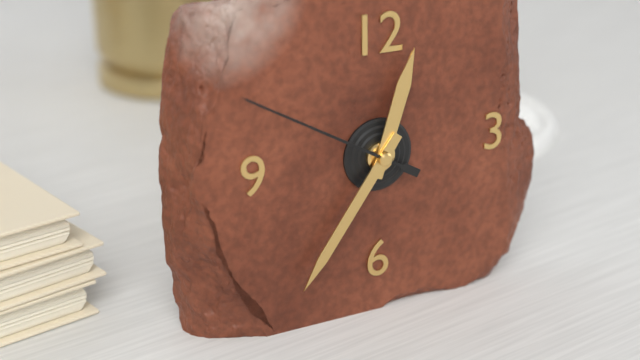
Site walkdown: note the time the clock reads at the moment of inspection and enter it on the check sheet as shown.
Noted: 12:36:50
